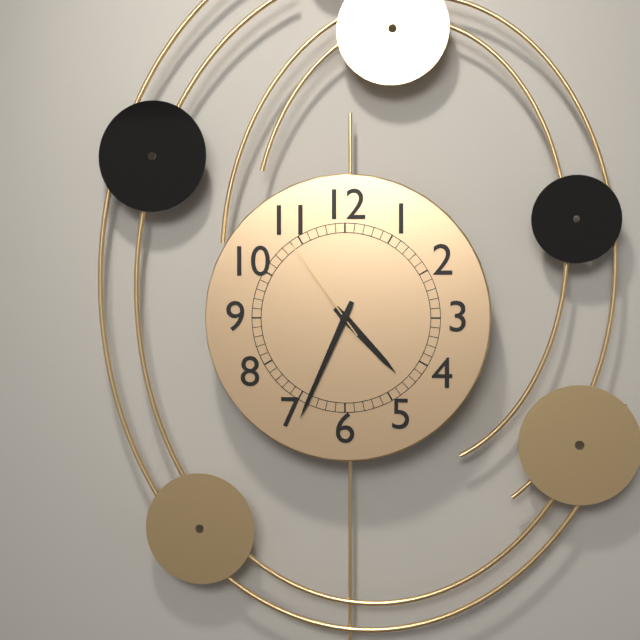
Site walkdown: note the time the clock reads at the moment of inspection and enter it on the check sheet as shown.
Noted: 4:34:54
